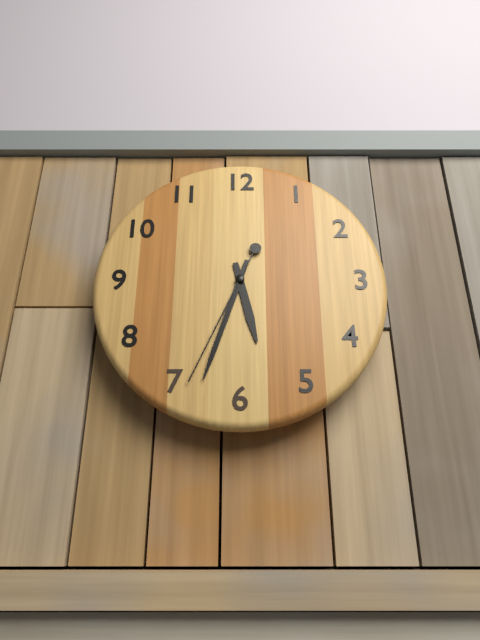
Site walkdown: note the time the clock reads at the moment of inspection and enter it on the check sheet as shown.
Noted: 5:33:34
